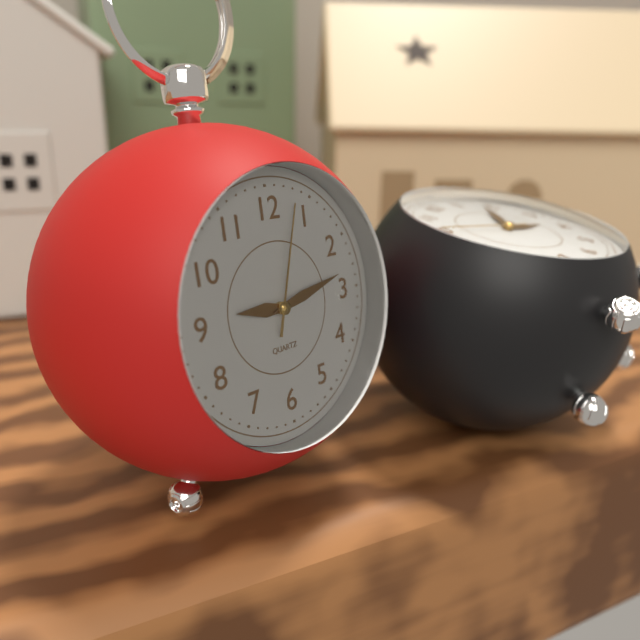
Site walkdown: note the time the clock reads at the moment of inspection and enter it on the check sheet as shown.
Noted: 9:13:03
